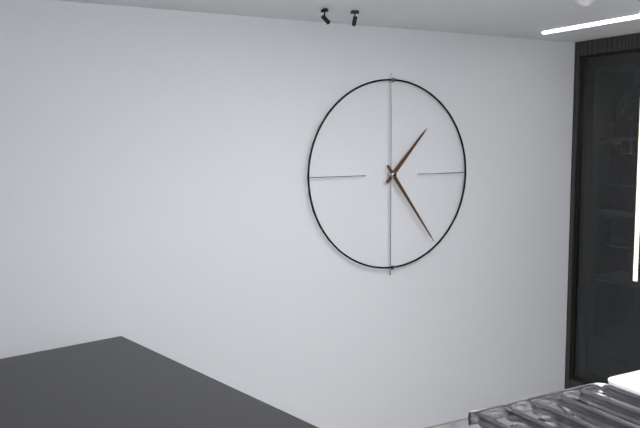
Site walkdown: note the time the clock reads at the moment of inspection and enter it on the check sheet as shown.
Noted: 1:24
